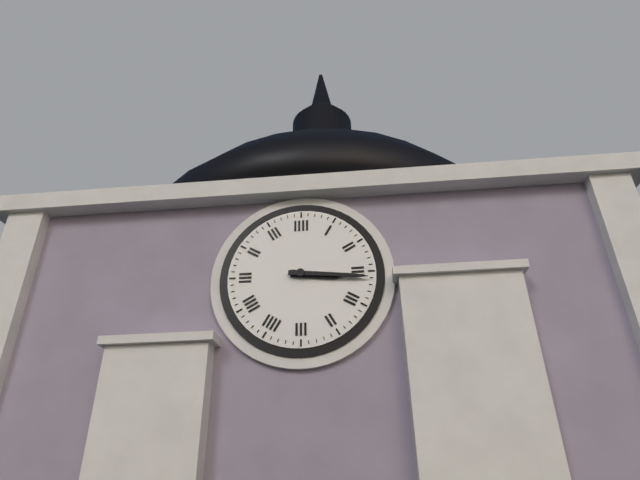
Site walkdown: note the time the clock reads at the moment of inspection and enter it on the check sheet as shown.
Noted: 3:16
